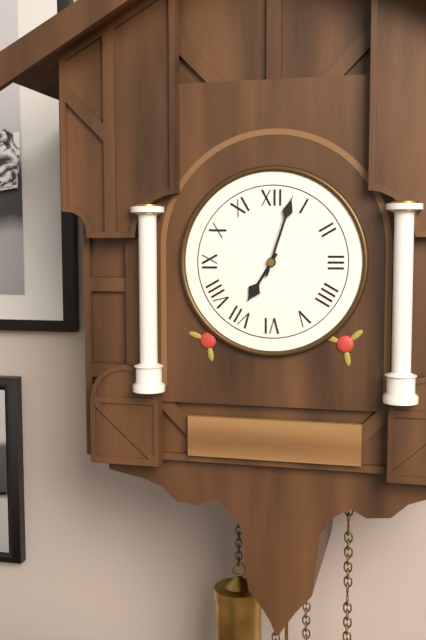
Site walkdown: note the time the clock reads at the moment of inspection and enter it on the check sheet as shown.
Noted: 7:03
